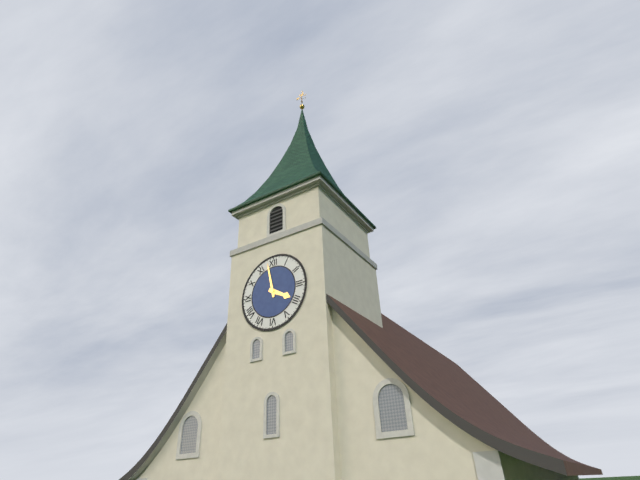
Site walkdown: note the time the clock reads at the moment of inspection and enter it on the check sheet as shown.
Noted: 3:58
